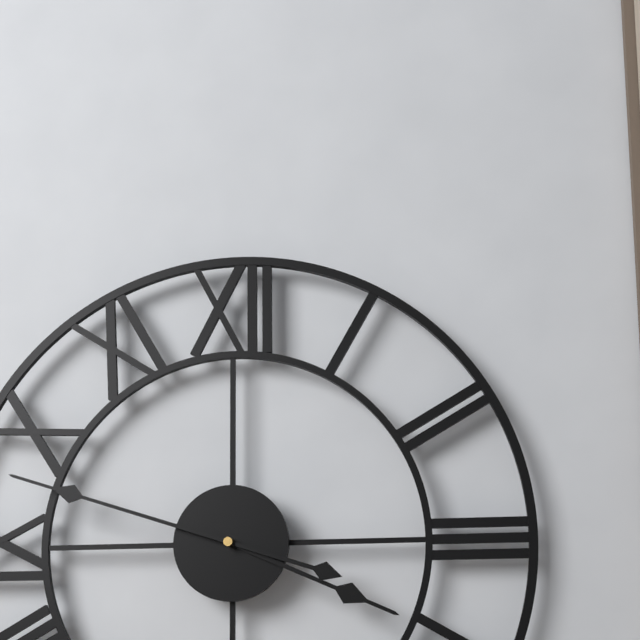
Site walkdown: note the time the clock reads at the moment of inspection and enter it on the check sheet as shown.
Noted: 3:48
